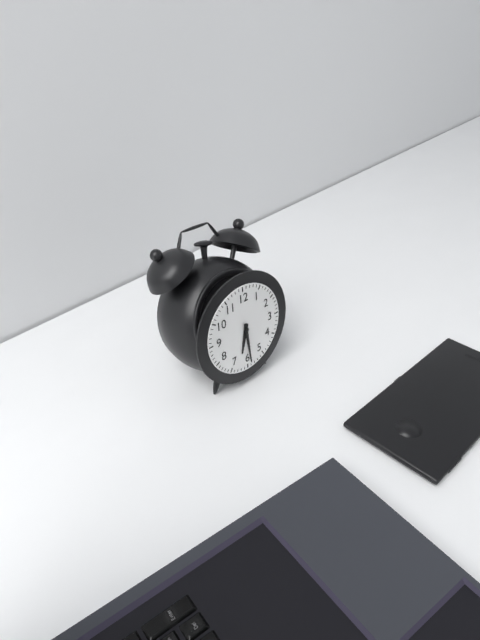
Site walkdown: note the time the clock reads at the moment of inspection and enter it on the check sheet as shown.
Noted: 6:29
